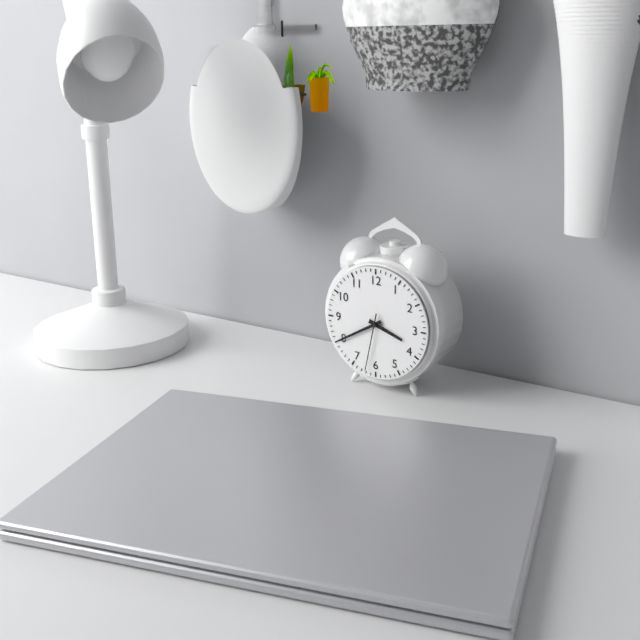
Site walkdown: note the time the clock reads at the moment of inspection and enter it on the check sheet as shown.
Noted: 3:40:32
